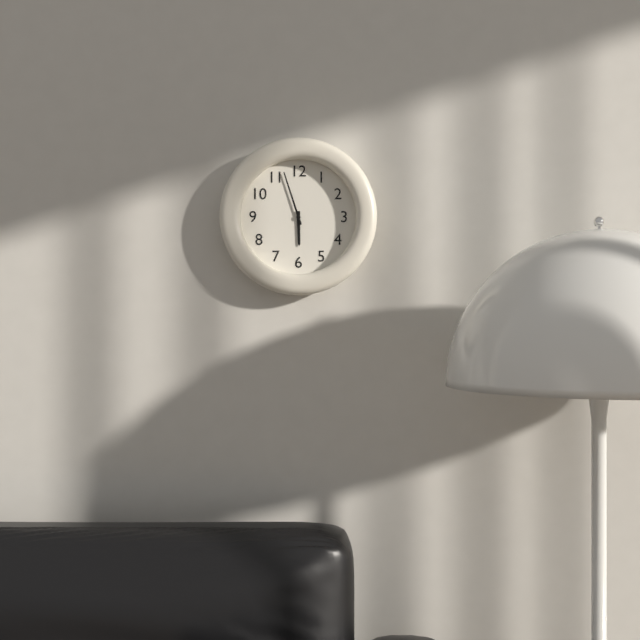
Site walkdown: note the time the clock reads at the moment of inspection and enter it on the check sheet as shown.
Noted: 5:57
